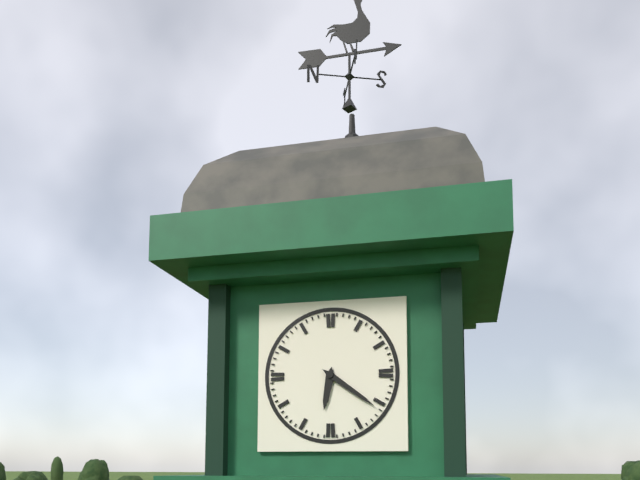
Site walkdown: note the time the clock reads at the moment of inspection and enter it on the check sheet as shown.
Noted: 6:21
